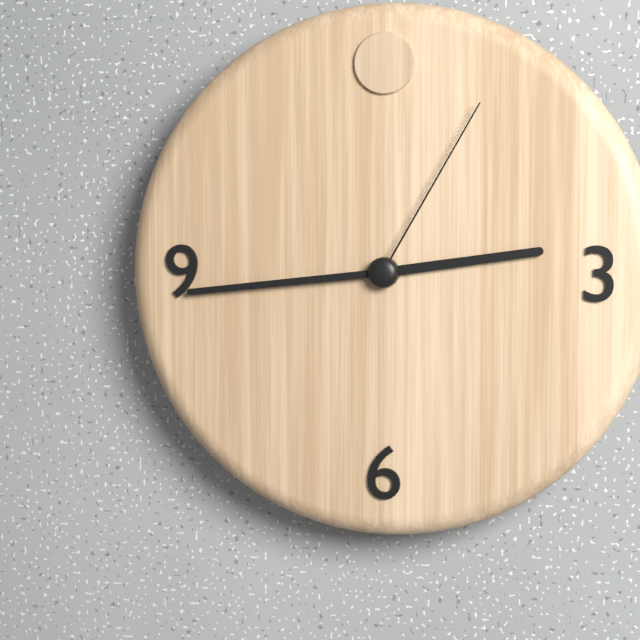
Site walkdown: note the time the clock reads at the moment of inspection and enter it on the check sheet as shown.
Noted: 2:44:05
